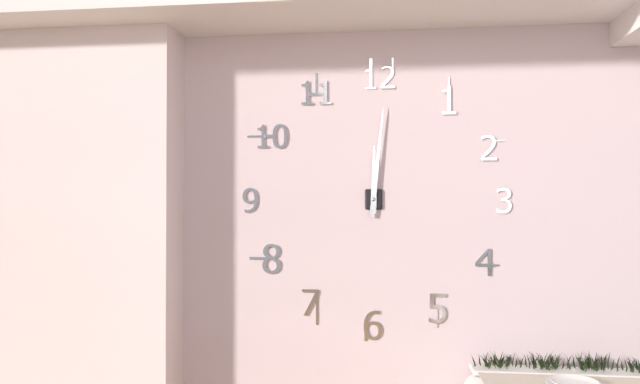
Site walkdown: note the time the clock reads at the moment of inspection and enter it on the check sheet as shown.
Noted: 12:01
